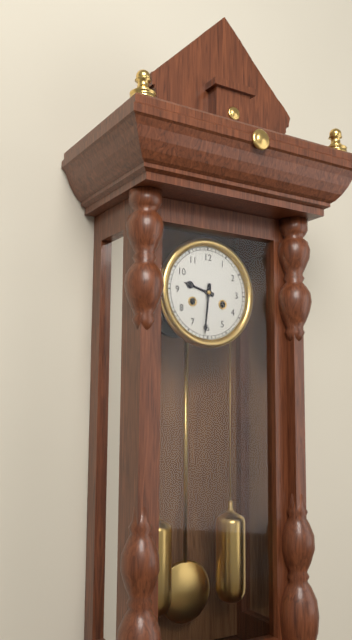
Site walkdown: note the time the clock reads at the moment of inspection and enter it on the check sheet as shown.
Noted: 9:31
